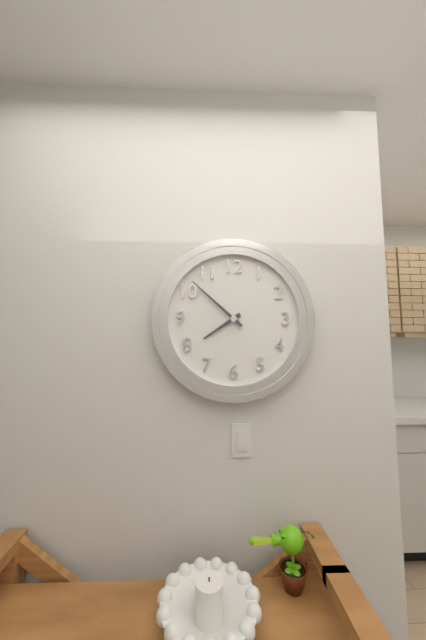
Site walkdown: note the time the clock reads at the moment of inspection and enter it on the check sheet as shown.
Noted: 7:52
